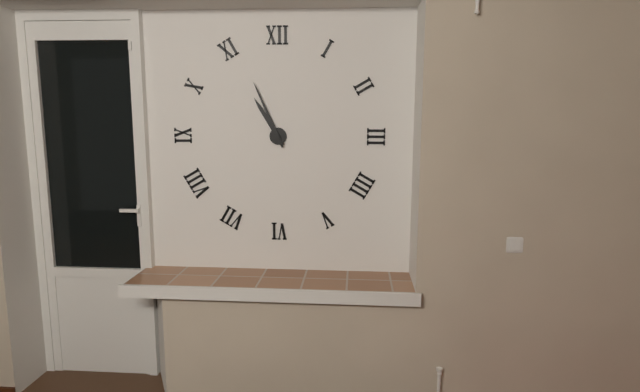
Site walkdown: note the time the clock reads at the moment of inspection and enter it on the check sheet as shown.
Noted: 10:56
